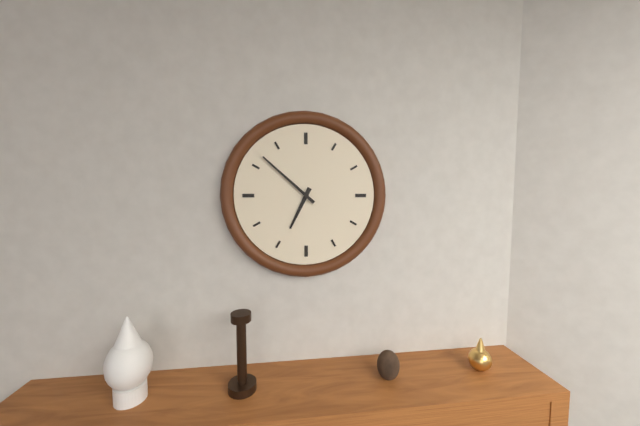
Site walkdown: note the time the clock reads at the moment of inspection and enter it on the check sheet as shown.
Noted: 6:52
